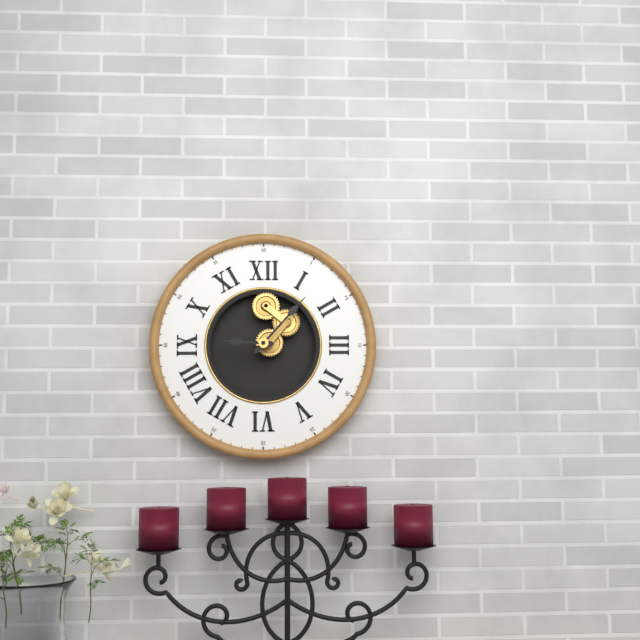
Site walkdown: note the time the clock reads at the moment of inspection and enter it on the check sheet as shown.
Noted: 9:07
